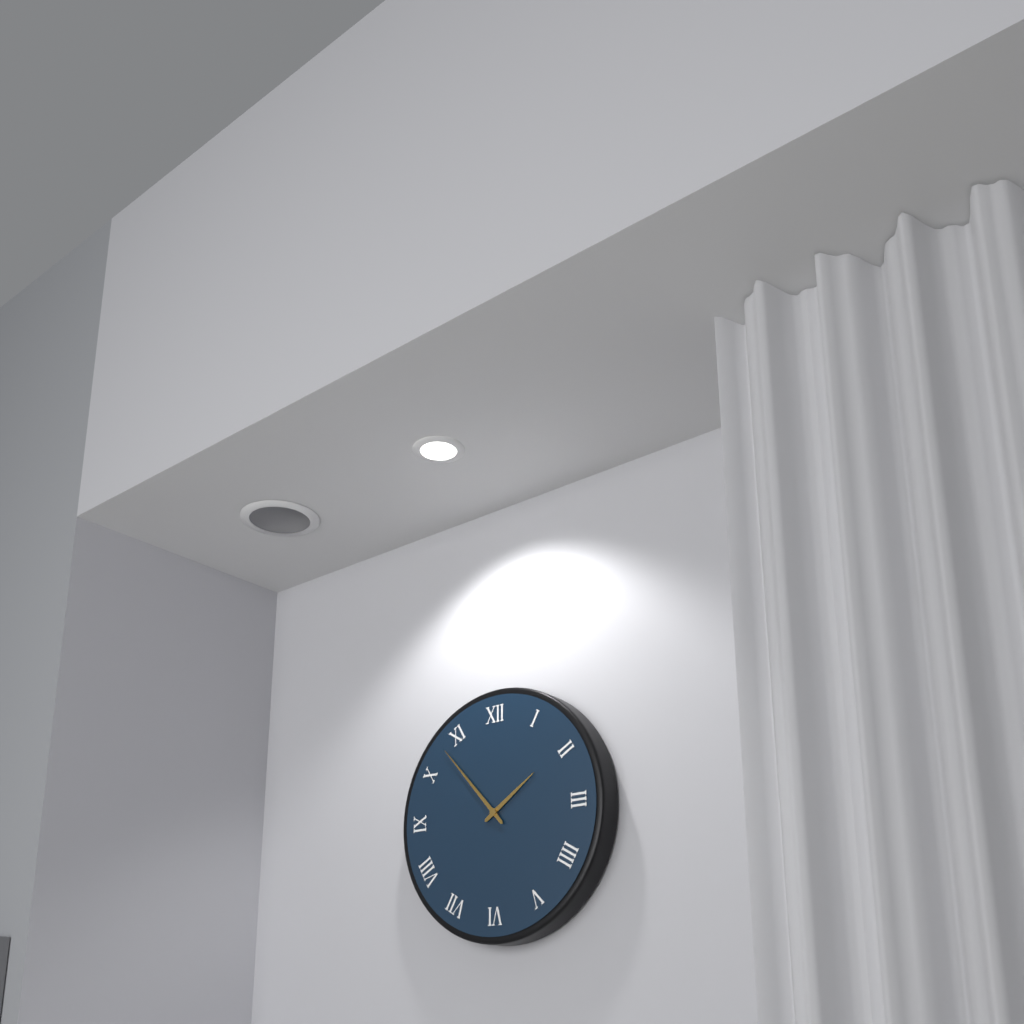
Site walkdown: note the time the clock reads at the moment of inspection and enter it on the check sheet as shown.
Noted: 1:53
